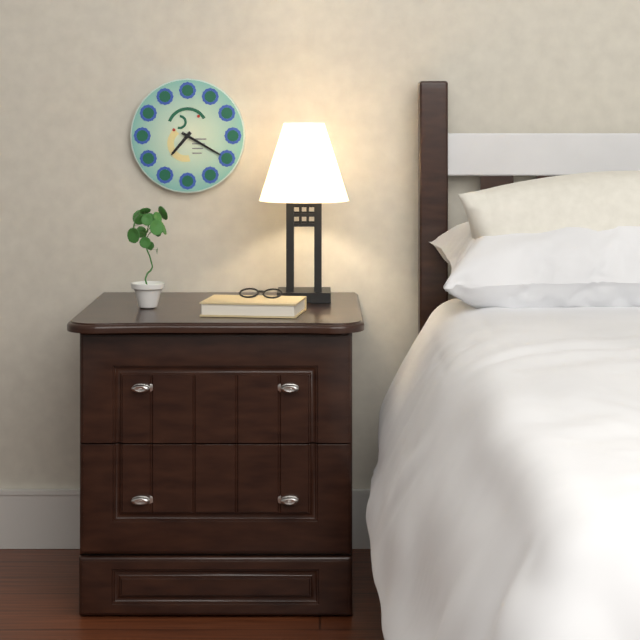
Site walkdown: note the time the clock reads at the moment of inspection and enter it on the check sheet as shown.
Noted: 7:20
